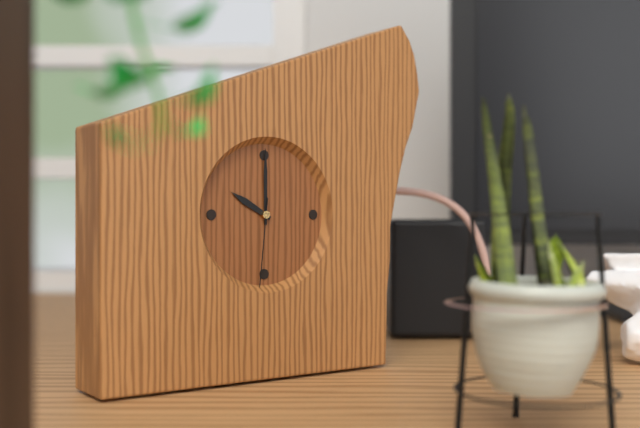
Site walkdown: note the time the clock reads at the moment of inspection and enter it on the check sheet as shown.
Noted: 10:00:31
